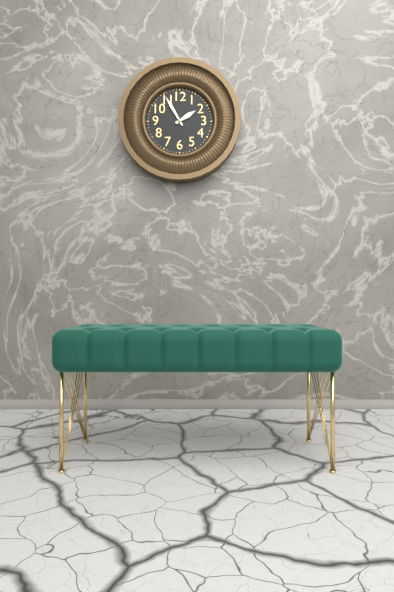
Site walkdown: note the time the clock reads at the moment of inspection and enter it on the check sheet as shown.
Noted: 1:55
